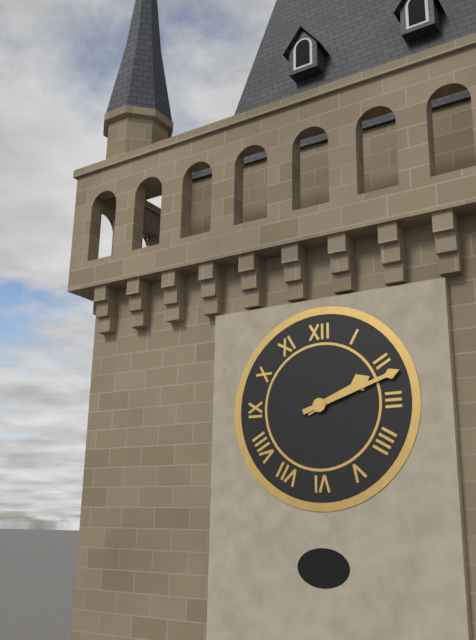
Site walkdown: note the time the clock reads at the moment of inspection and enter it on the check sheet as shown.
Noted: 2:12
